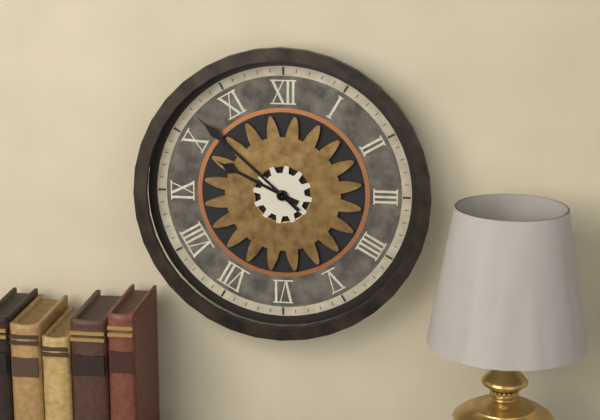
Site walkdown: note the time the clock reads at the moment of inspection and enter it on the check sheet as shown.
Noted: 9:52
